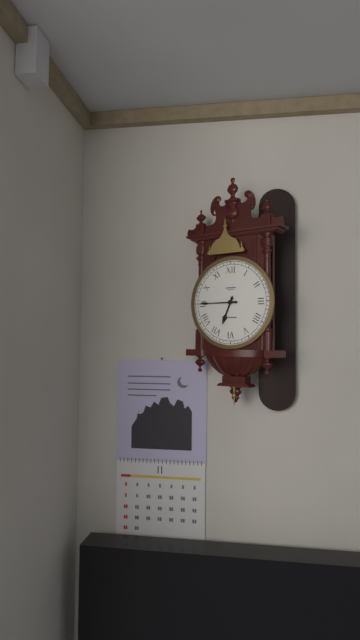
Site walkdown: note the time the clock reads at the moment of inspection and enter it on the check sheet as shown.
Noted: 6:45
